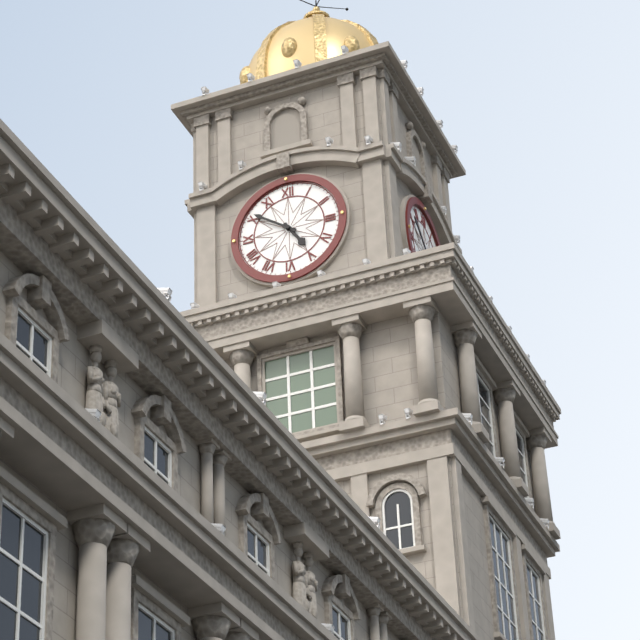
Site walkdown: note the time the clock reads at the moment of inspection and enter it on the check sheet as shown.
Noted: 4:51
